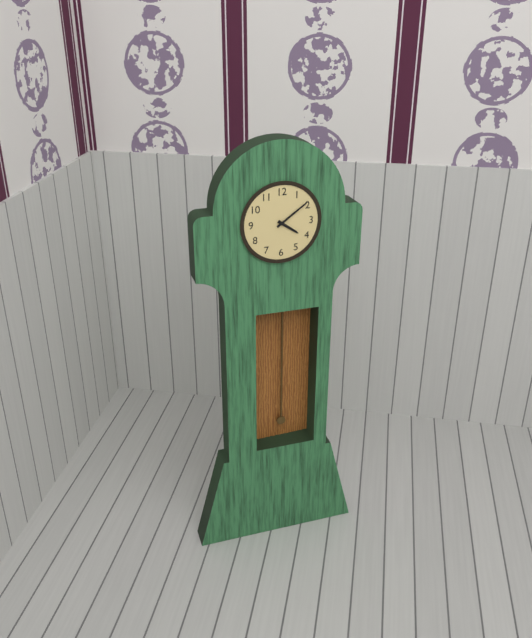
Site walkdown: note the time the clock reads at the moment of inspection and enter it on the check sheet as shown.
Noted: 4:09
